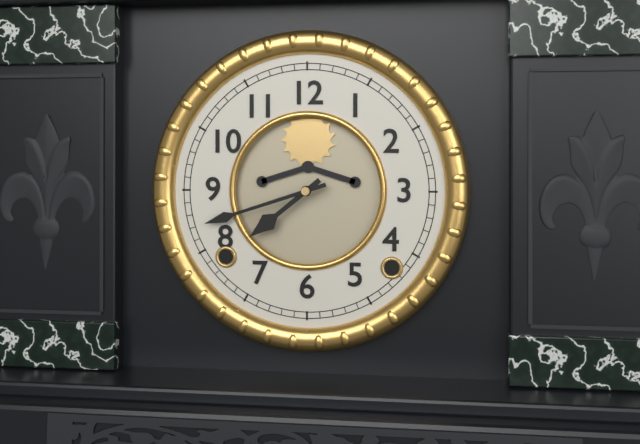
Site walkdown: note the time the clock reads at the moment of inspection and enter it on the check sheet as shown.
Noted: 7:42
